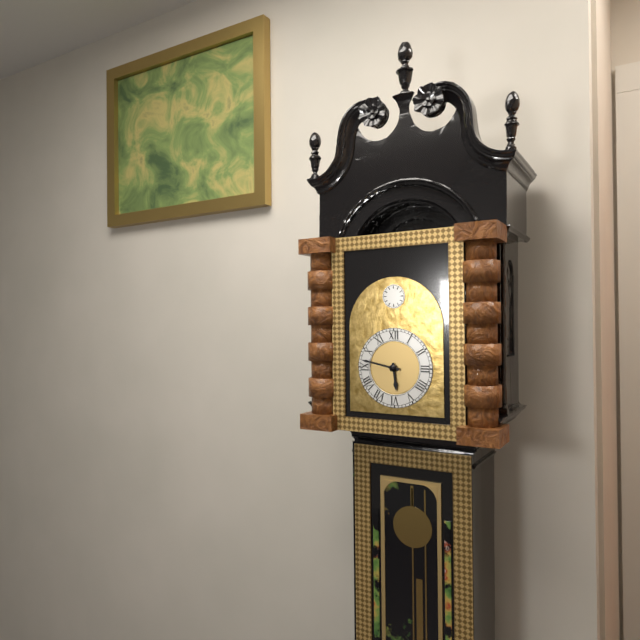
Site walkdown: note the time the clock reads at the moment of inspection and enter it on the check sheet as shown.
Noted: 5:47
